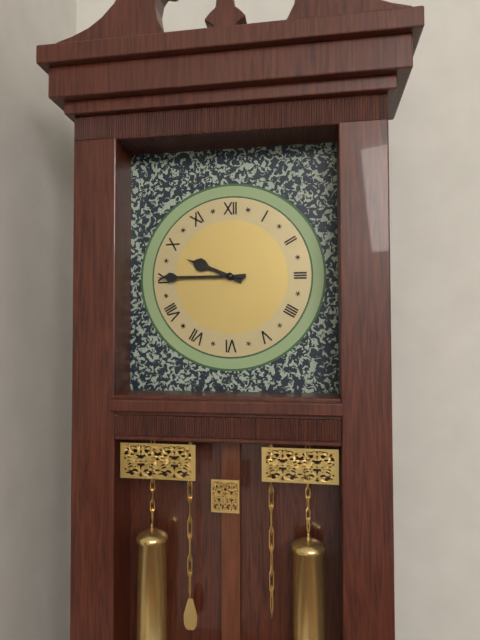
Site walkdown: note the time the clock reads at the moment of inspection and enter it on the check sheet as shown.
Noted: 9:45
